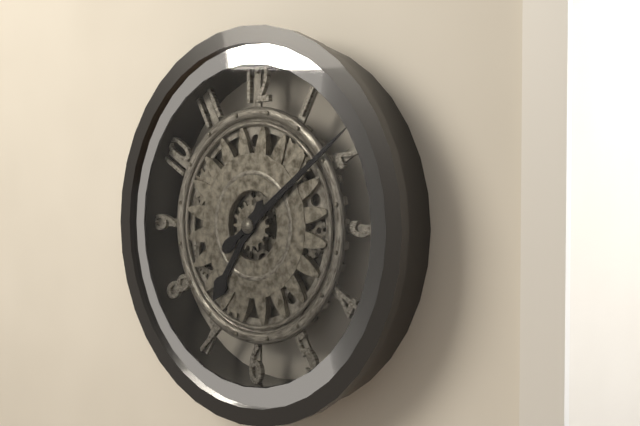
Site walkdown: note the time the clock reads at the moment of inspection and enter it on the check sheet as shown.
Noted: 7:09
